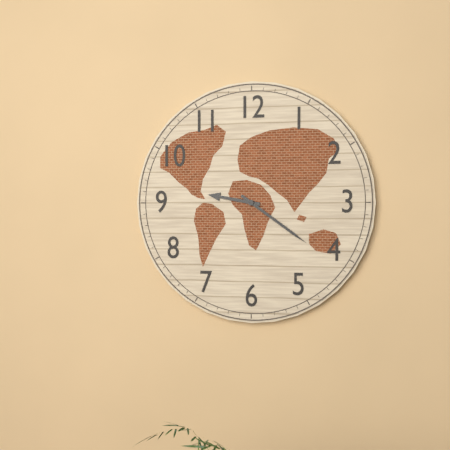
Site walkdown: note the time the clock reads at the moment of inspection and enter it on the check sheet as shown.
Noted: 9:21
